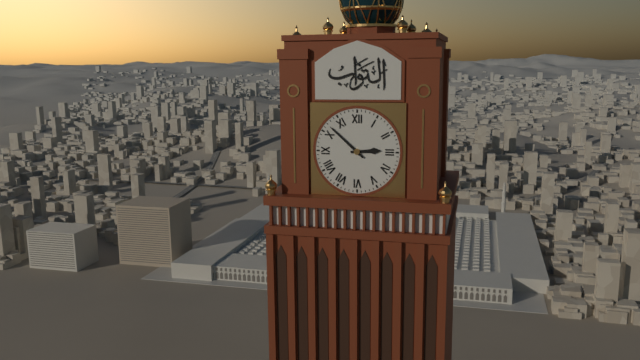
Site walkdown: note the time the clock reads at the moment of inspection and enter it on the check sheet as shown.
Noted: 2:52
